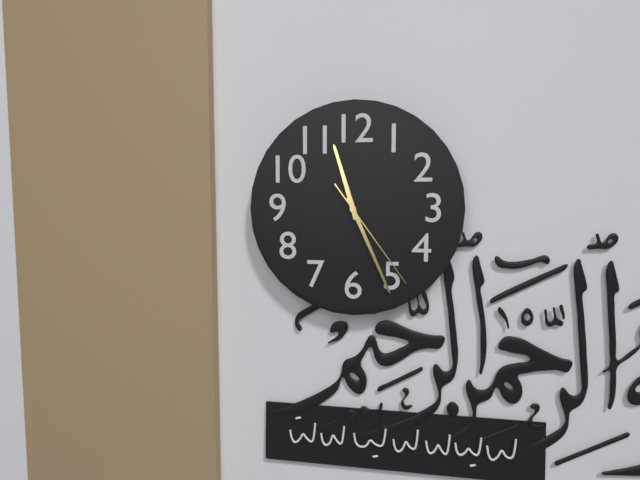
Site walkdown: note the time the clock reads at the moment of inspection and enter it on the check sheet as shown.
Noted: 11:26:24
